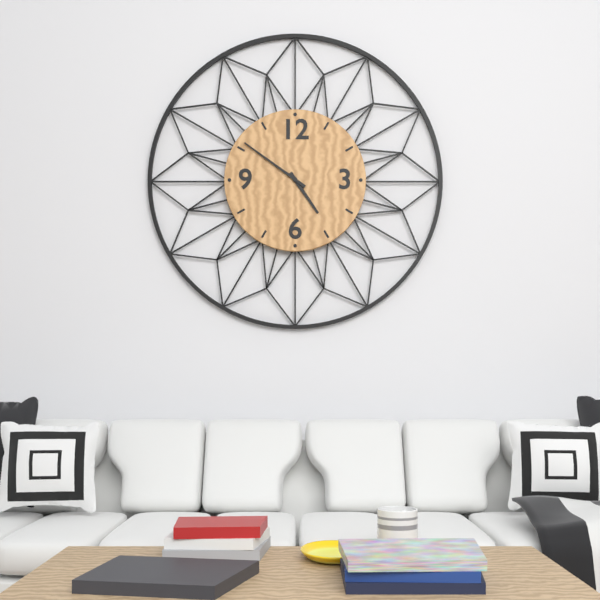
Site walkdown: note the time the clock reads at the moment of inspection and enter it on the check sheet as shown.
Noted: 4:51
